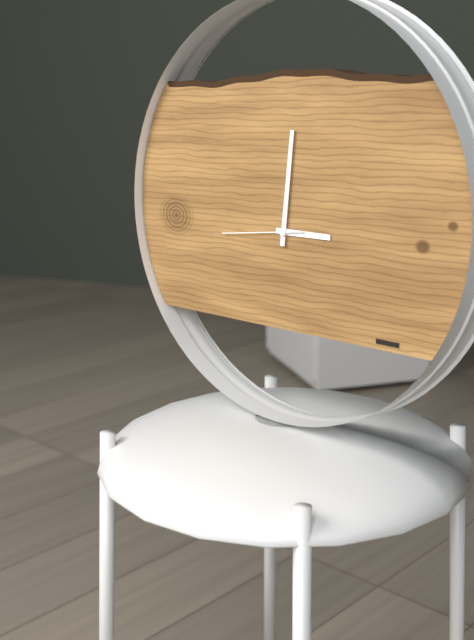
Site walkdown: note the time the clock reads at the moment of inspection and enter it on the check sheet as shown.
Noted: 3:01:44
